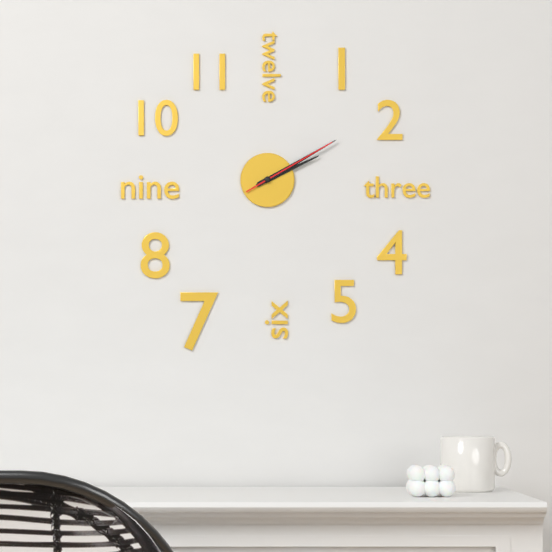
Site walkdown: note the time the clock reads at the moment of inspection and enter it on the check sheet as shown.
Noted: 2:10:10
